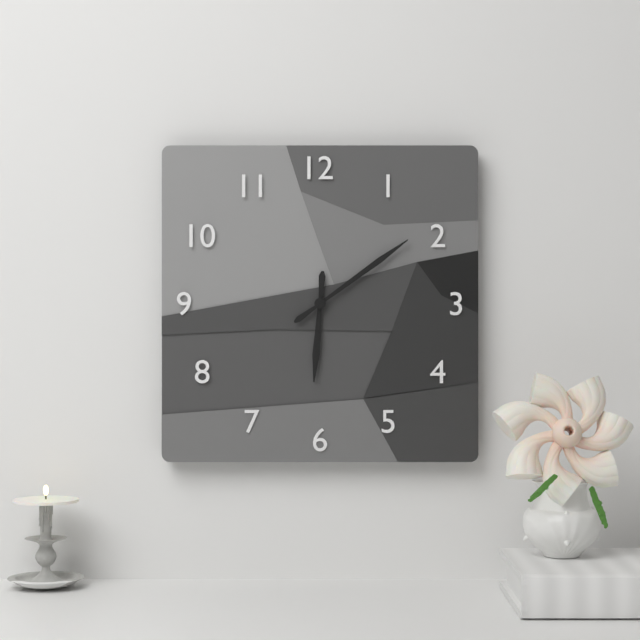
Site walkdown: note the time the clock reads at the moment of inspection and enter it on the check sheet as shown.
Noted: 6:09
